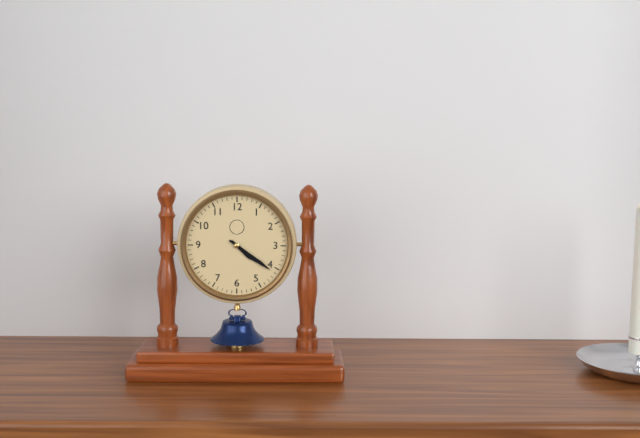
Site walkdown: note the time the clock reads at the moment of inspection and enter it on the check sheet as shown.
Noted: 4:21
